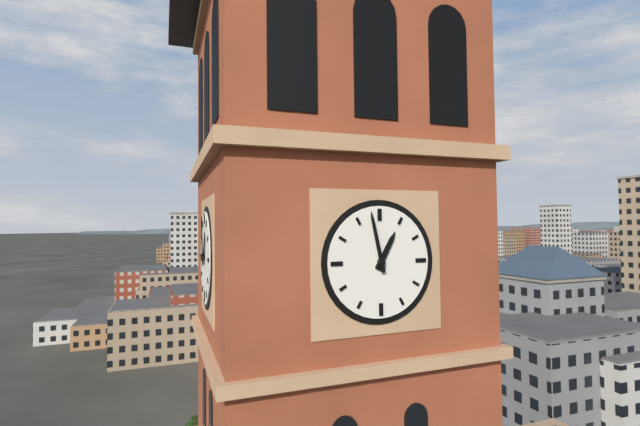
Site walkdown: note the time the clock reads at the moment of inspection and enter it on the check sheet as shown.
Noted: 12:58
